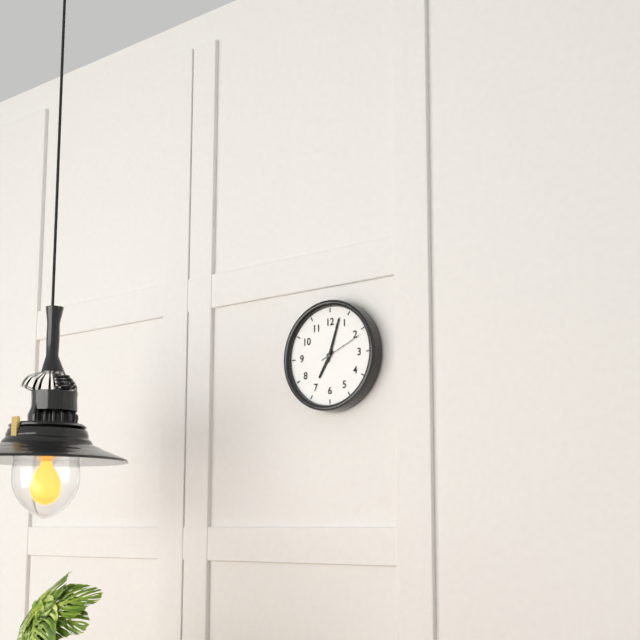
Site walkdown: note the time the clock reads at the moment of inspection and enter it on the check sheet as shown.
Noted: 7:03
